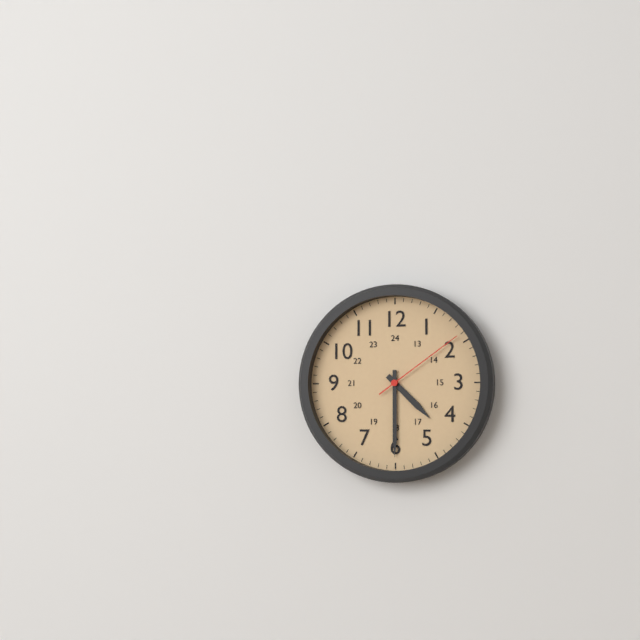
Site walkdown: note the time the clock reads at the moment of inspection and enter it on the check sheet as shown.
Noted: 4:30:09
